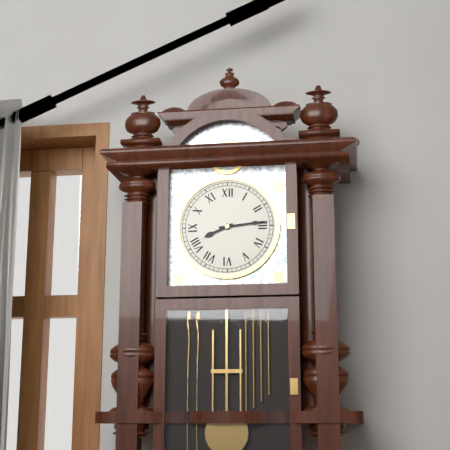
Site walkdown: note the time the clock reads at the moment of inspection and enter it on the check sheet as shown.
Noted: 8:14
